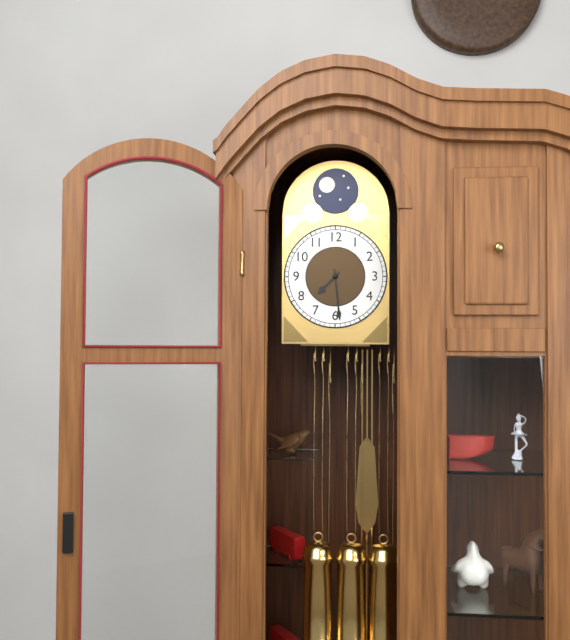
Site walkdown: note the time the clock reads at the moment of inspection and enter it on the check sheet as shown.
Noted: 7:29
